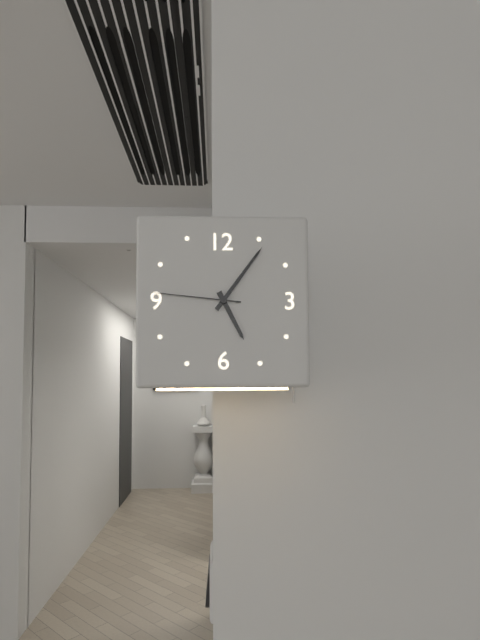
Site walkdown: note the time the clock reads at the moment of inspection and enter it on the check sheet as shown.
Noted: 5:06:46
